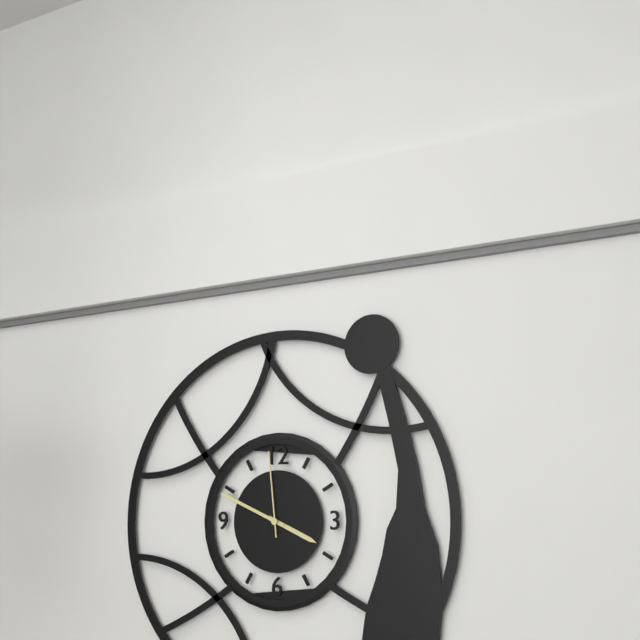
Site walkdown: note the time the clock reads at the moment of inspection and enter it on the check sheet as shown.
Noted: 3:49:59
